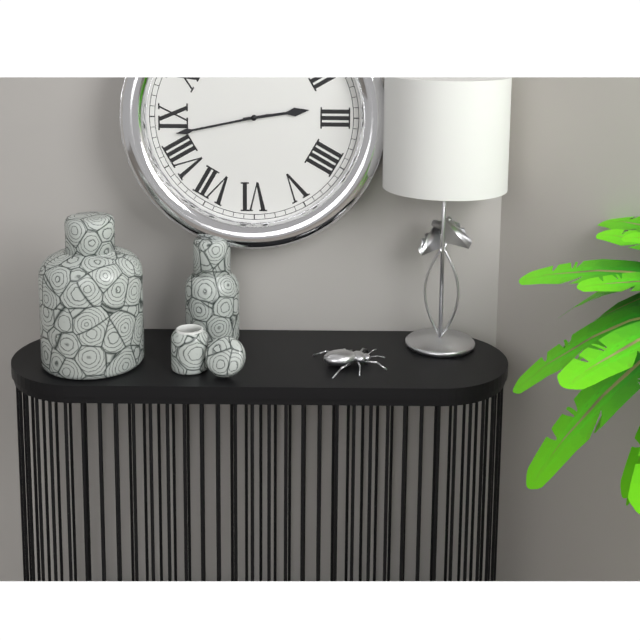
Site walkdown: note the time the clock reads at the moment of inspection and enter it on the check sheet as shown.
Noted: 2:43
